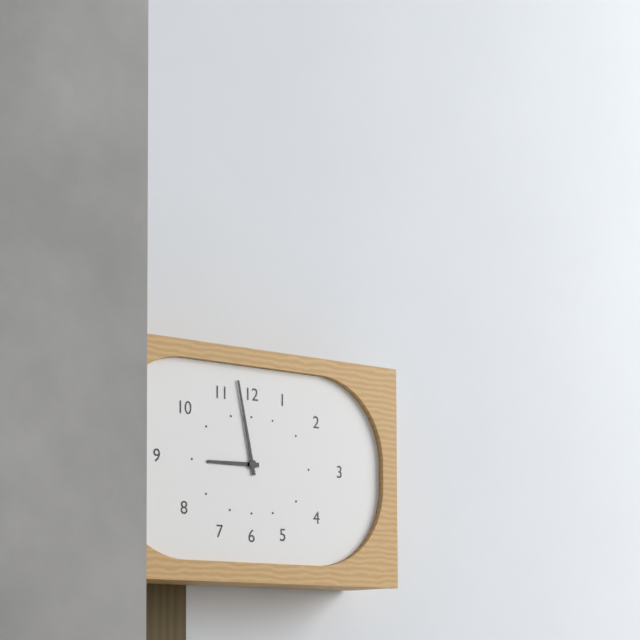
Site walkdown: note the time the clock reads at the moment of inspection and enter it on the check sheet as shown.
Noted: 8:58
